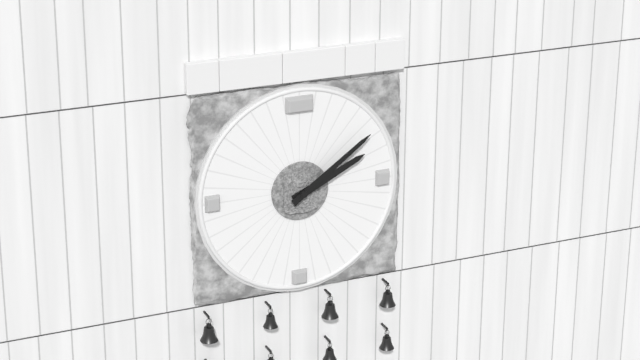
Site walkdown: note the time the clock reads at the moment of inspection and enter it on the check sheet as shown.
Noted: 2:09
